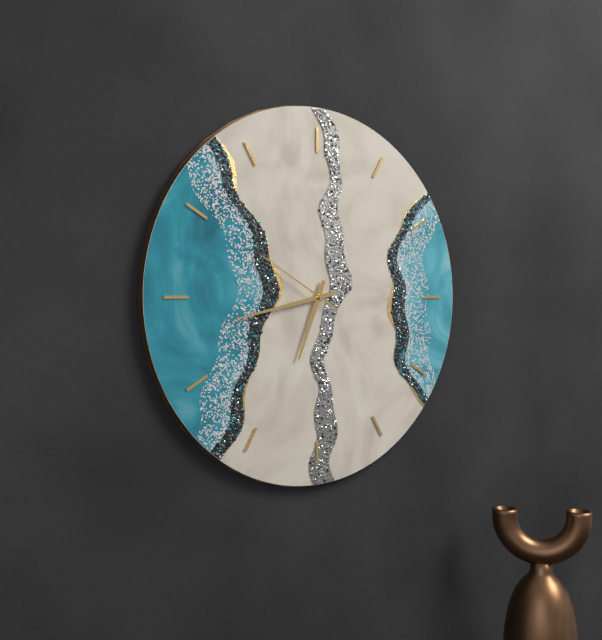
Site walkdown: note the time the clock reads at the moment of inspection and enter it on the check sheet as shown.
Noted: 6:43:50
